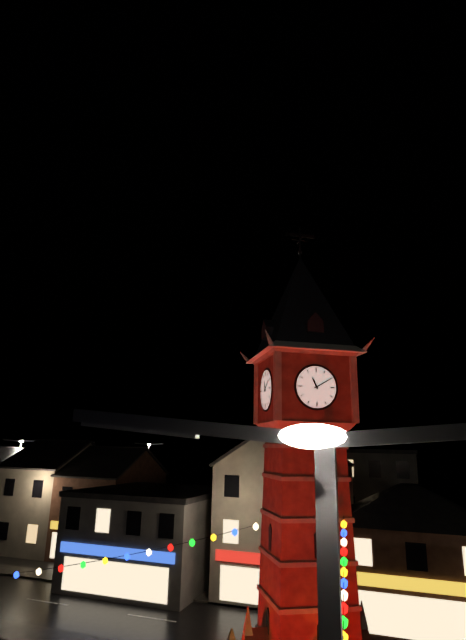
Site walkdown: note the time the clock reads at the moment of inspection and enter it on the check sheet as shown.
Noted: 11:10
